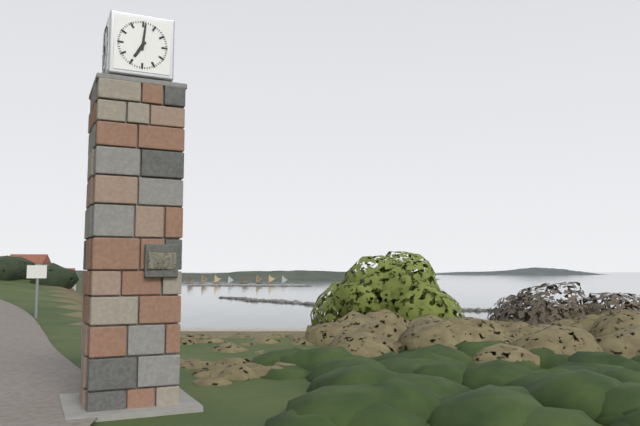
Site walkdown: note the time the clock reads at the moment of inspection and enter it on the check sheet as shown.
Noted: 7:01
